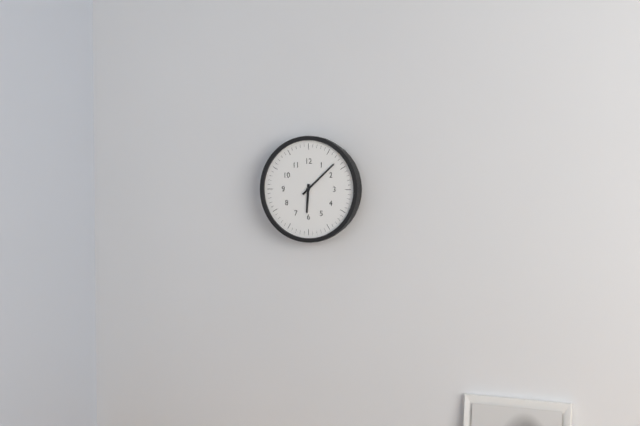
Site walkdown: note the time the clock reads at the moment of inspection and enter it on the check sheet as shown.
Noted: 6:08
